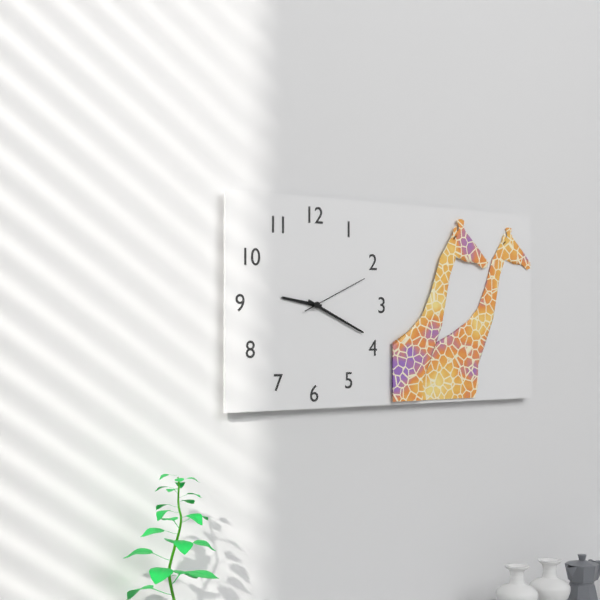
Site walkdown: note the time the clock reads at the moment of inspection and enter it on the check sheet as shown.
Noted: 9:19:11
